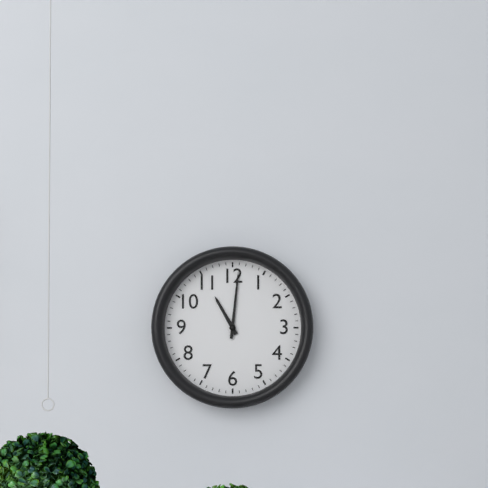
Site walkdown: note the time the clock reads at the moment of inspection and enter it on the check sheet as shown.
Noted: 11:01
